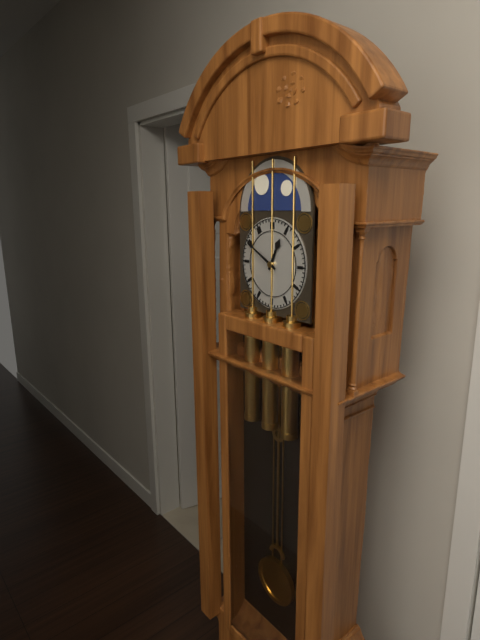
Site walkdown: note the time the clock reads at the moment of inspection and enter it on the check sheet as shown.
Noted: 12:50
